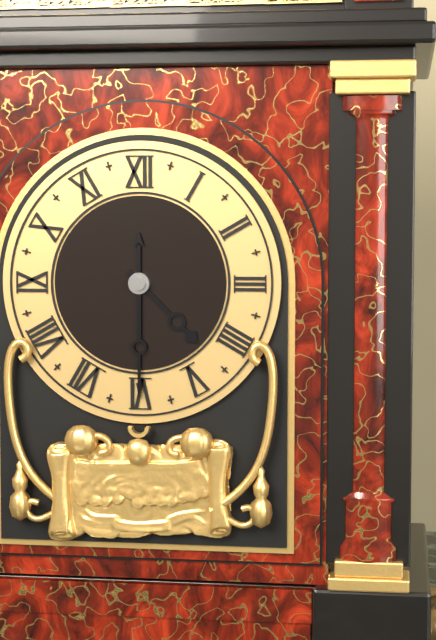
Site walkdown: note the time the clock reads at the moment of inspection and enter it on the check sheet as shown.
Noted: 4:30
